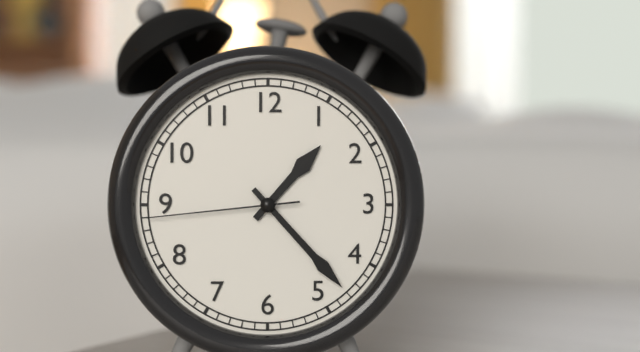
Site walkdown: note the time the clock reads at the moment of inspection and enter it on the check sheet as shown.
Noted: 1:23:44
